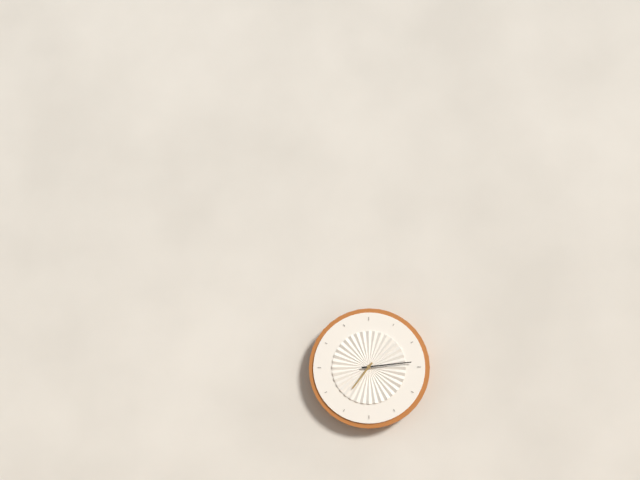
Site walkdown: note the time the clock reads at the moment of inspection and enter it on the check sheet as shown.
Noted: 7:14
